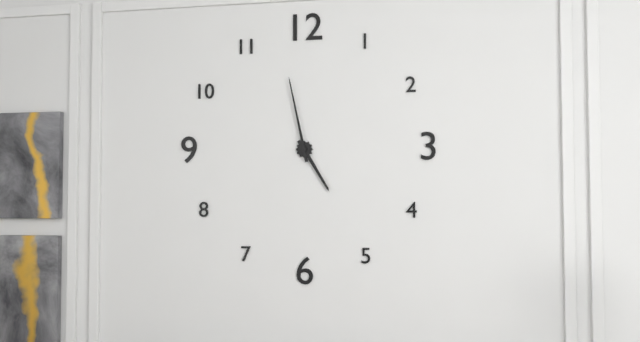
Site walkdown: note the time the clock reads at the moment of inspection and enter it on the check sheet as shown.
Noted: 4:58
